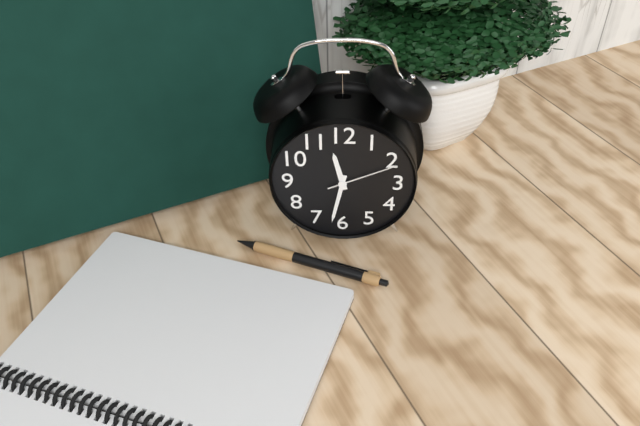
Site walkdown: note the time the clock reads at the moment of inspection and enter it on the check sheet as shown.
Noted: 11:32:11
